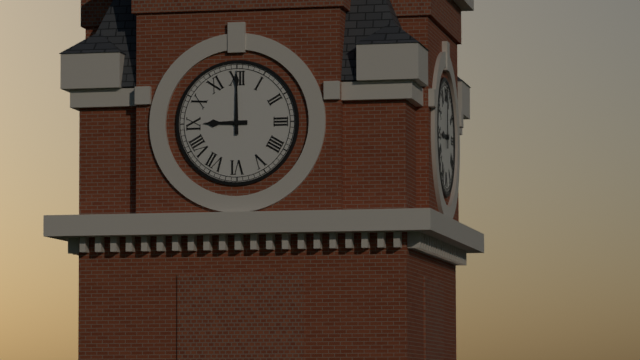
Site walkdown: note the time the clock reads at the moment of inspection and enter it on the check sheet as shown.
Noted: 9:00
